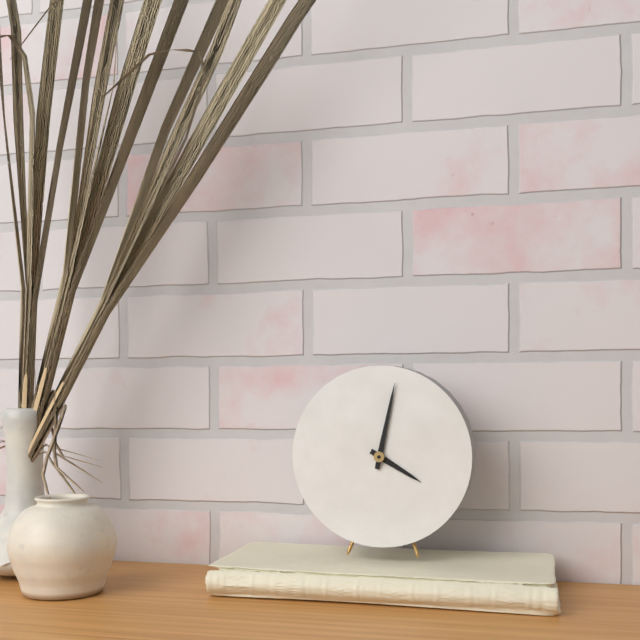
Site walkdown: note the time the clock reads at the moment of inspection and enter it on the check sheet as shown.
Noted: 4:02
